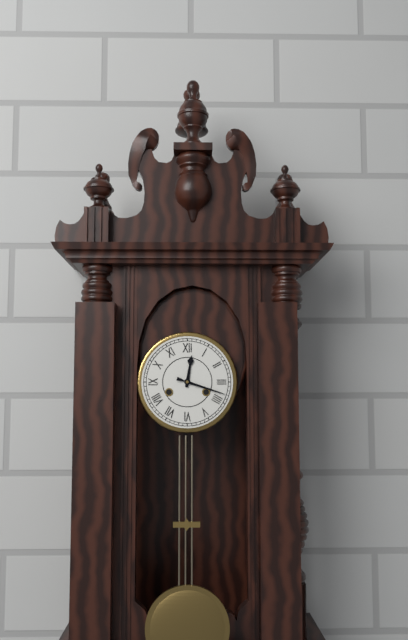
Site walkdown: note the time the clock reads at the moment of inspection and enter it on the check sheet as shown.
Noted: 12:18
